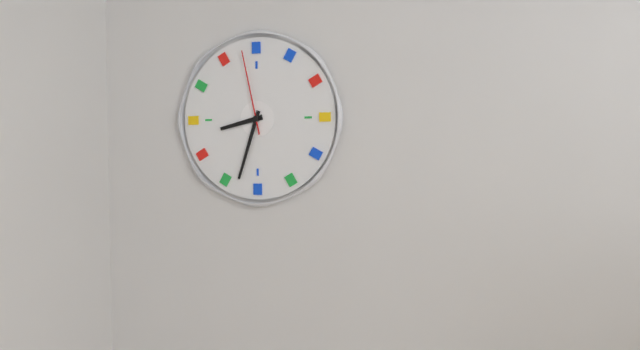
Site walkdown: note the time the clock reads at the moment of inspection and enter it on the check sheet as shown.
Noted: 8:33:58
